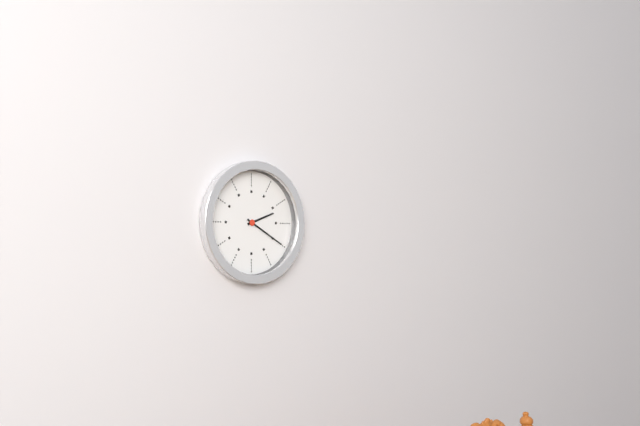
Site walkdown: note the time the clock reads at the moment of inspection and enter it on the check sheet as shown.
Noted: 2:20
